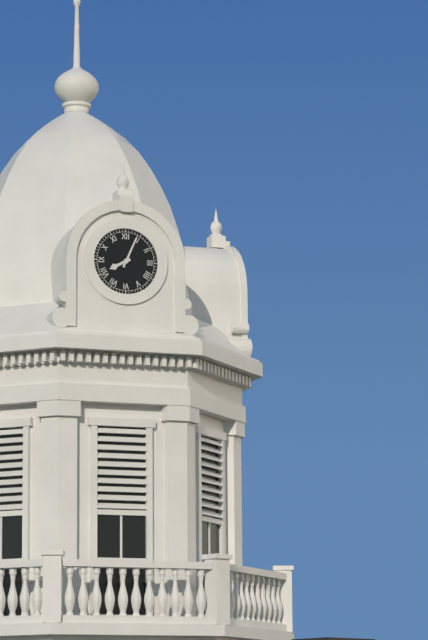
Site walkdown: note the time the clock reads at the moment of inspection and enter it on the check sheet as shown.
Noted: 8:04
